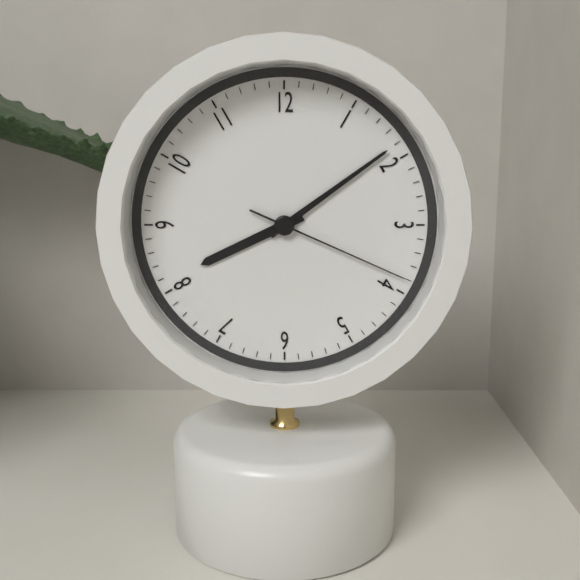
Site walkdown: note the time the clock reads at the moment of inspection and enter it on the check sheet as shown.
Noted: 8:09:19
